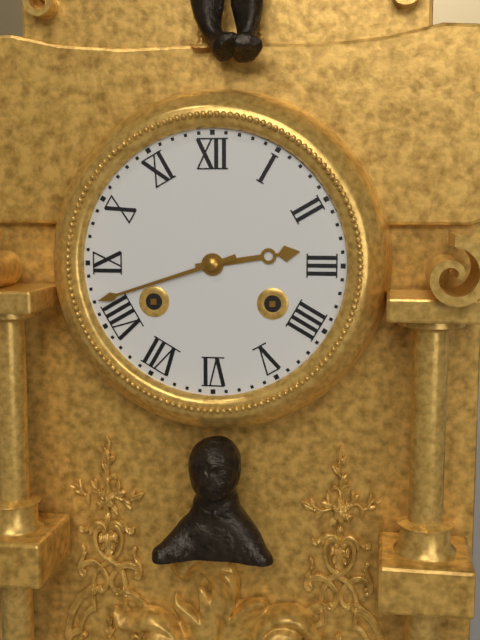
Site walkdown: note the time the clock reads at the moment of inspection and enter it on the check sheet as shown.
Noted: 2:42
